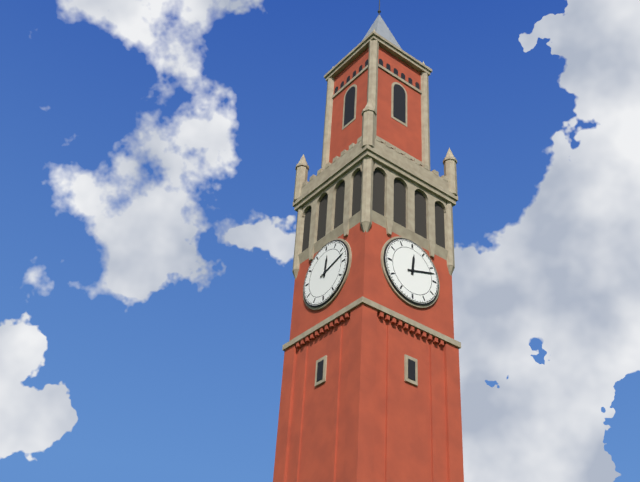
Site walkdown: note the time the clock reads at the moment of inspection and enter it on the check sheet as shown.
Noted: 12:12
